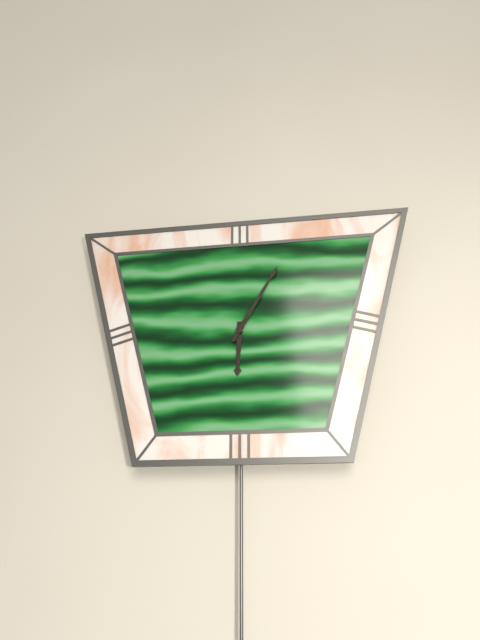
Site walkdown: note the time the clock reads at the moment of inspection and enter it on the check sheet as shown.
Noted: 6:05
